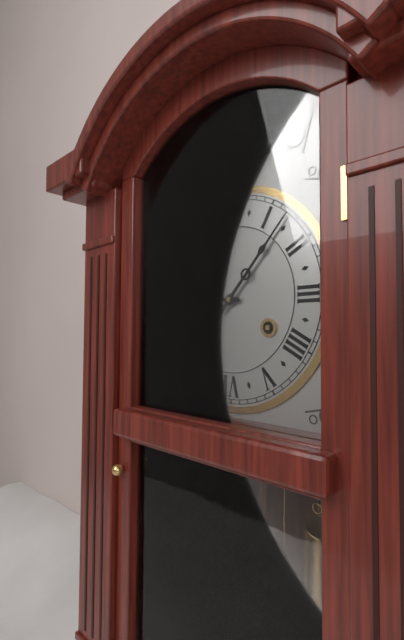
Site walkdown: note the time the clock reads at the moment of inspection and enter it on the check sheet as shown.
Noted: 9:07
